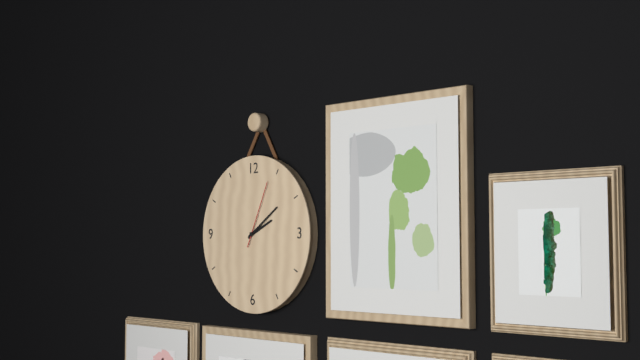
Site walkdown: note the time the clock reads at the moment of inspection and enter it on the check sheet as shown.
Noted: 2:09:04
